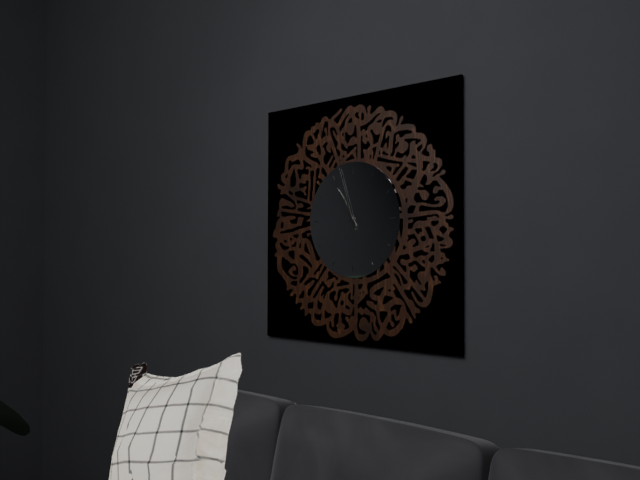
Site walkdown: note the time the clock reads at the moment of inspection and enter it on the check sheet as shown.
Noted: 10:57
